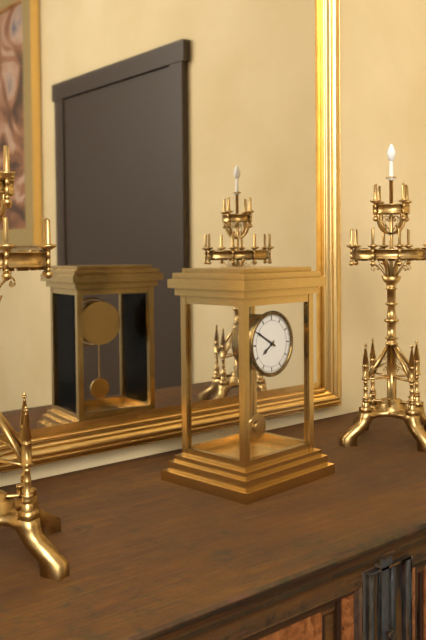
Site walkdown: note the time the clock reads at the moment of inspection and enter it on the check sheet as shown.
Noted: 7:50
